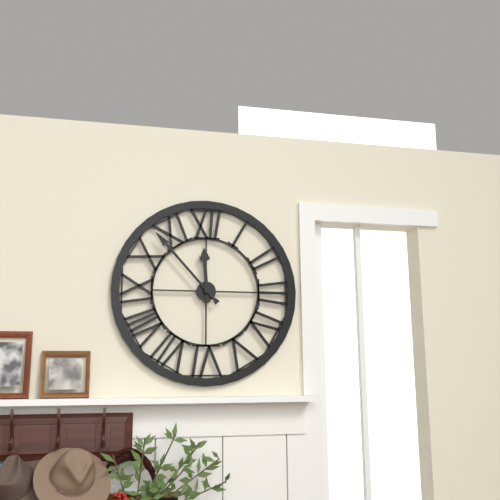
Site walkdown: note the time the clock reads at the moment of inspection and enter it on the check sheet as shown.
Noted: 11:53
